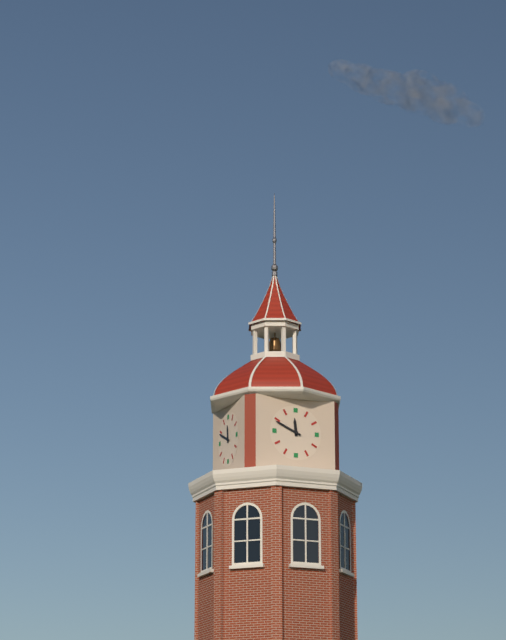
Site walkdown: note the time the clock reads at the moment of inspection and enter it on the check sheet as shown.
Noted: 11:49
